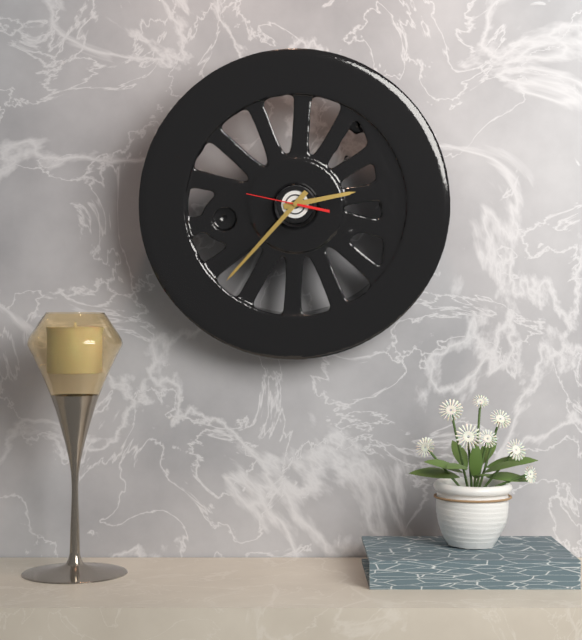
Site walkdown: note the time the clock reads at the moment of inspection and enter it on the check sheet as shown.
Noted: 2:37:47
